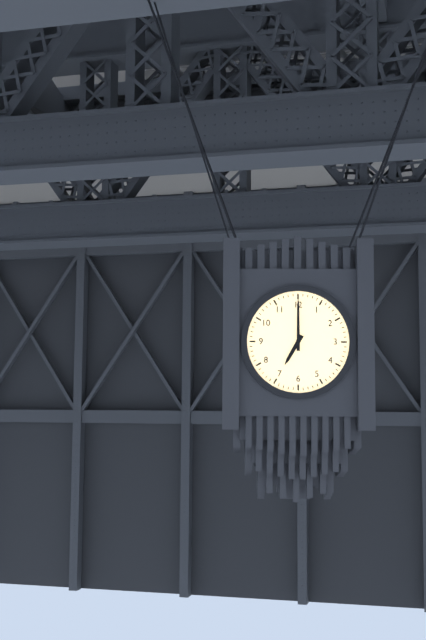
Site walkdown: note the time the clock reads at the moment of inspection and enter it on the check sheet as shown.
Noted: 7:00
